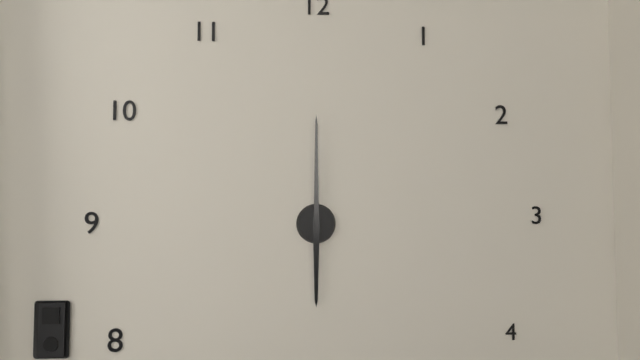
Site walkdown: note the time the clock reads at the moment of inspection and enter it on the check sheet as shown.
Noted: 6:00
